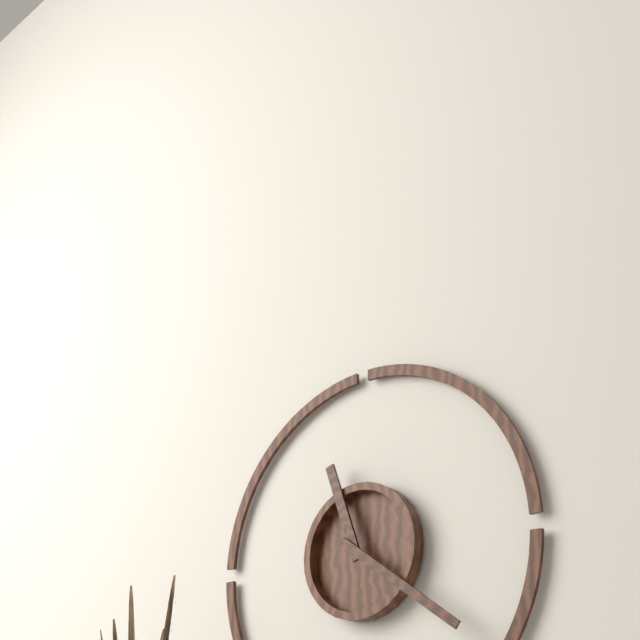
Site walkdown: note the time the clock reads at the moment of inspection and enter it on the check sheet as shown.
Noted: 11:21
